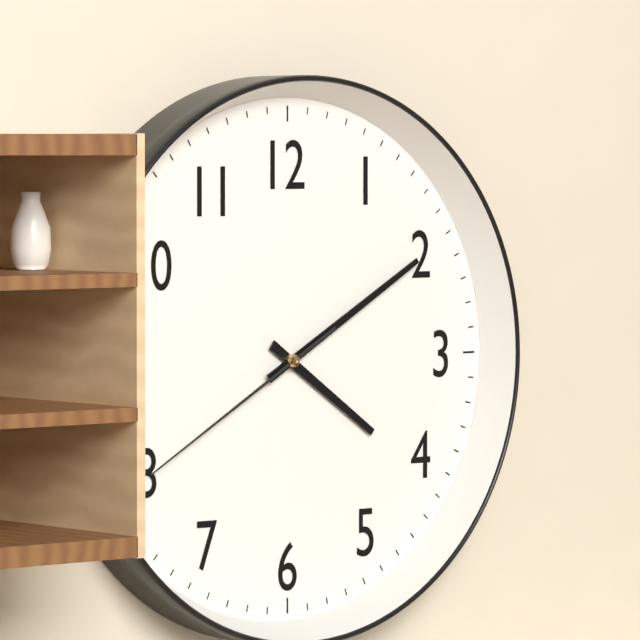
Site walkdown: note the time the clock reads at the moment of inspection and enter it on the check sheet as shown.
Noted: 4:10:40
